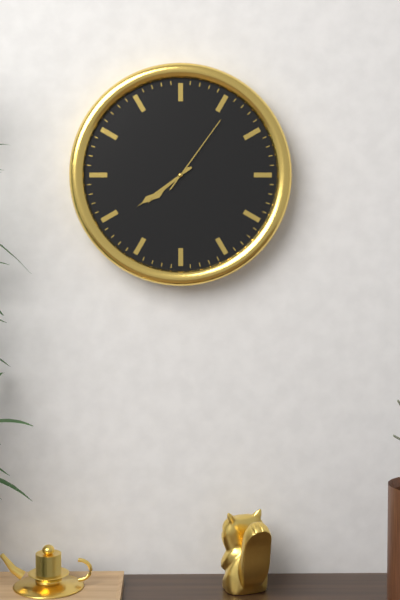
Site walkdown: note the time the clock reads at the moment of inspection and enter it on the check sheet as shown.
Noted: 7:39:06
